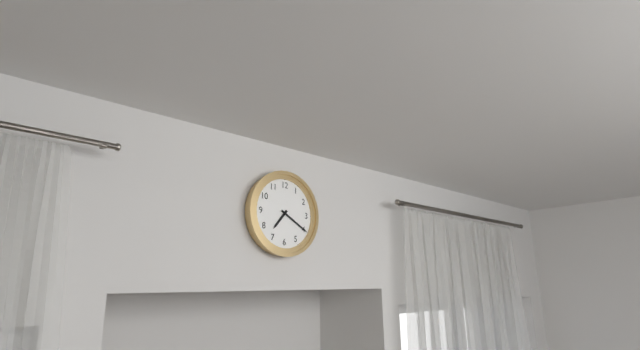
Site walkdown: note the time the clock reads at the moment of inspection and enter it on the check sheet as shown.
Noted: 7:20
